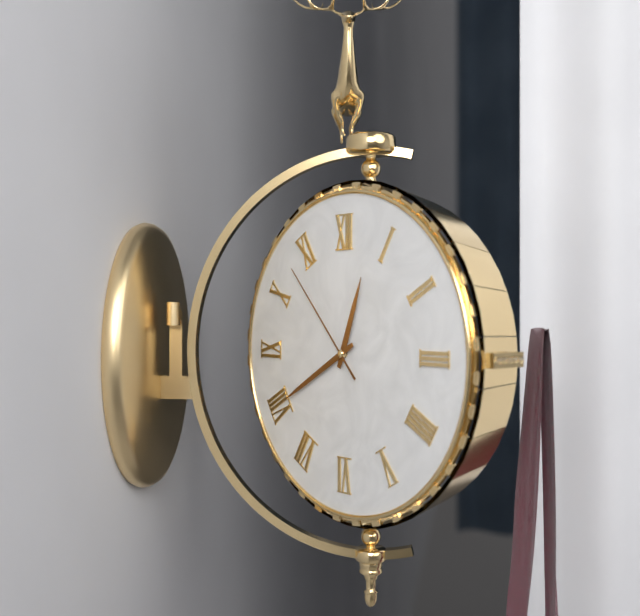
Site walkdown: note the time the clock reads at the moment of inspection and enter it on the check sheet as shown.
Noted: 12:40:53
